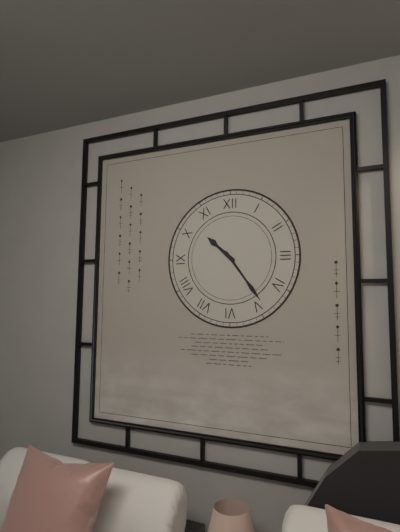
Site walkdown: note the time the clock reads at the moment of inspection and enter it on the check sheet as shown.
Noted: 10:24
